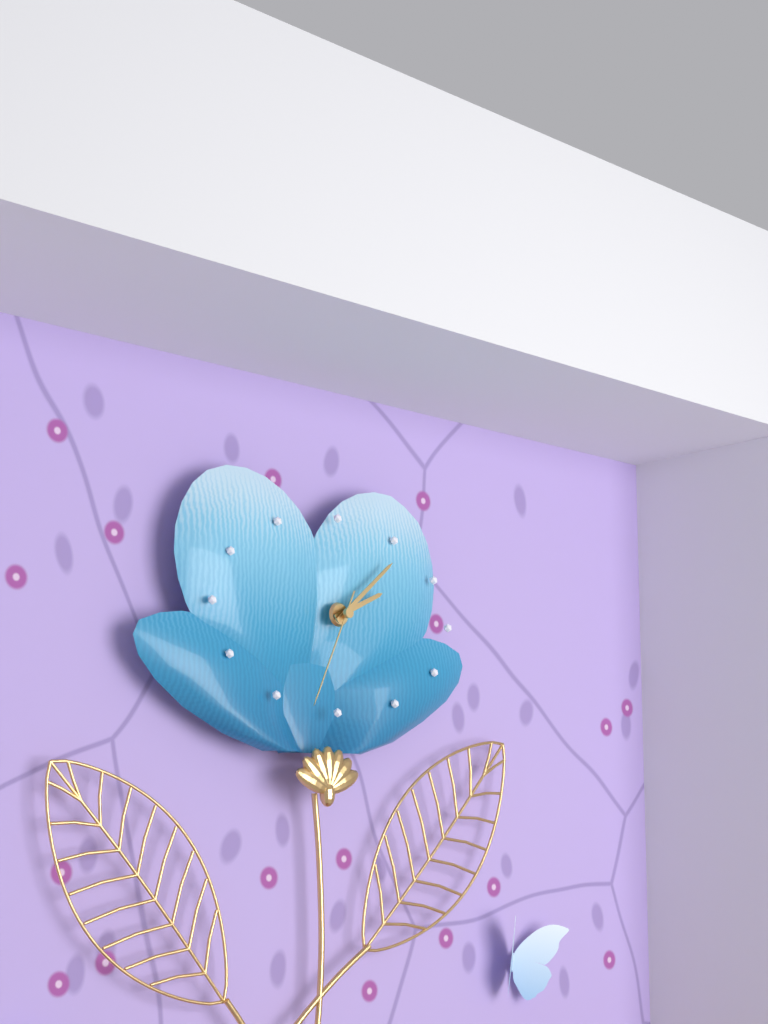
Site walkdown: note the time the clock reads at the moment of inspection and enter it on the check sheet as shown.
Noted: 2:08:34
